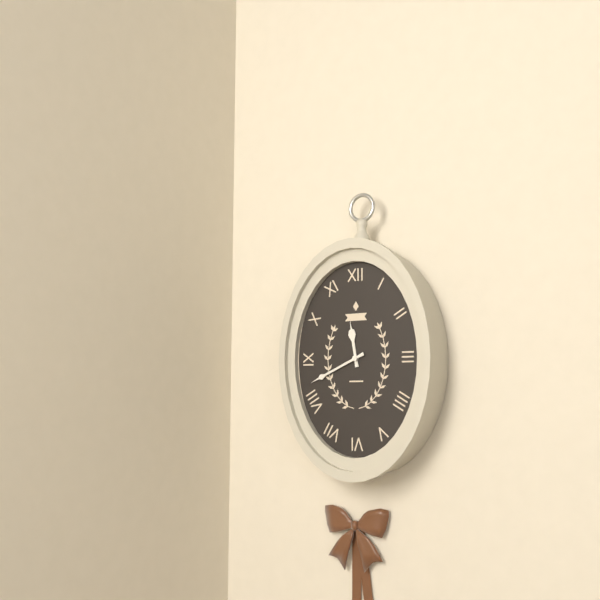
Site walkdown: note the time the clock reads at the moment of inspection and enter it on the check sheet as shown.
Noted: 11:41
